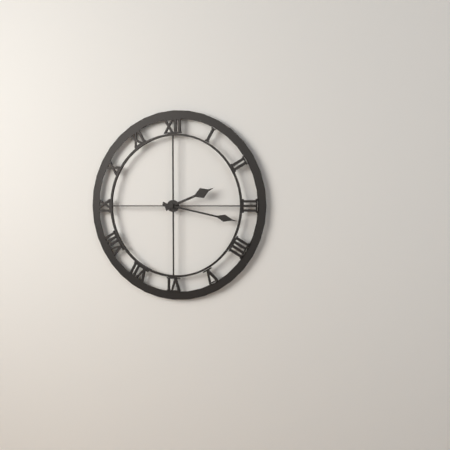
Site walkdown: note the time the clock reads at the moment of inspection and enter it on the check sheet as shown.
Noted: 2:17
